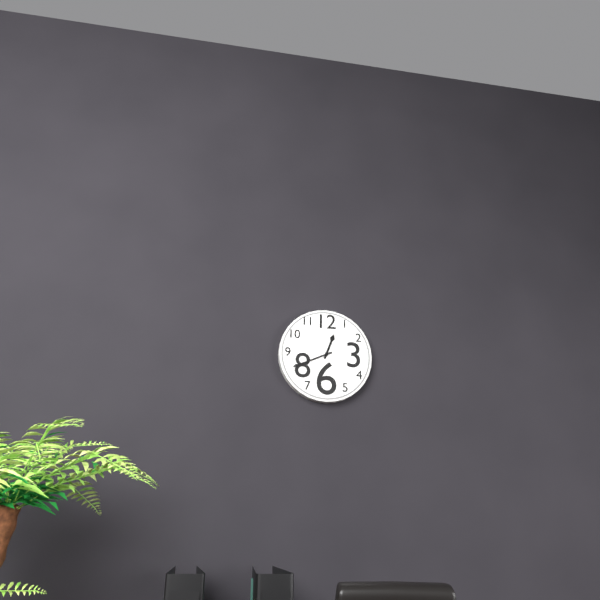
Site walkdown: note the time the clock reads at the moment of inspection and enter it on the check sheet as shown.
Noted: 12:41
